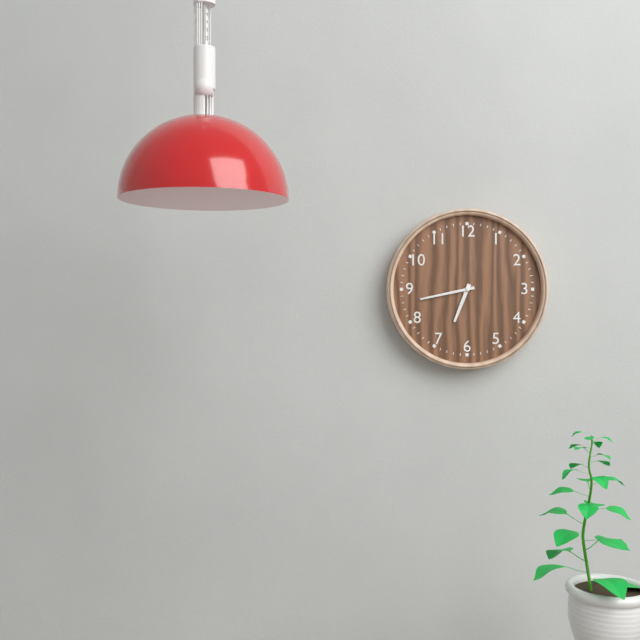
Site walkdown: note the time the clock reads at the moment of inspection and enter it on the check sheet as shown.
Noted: 6:43
